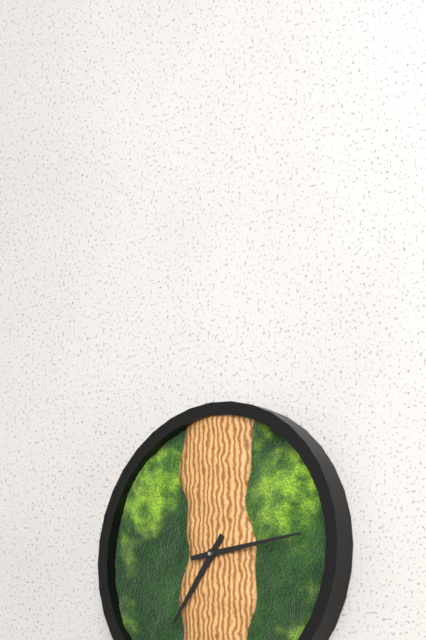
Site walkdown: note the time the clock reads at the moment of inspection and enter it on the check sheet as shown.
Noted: 7:14
